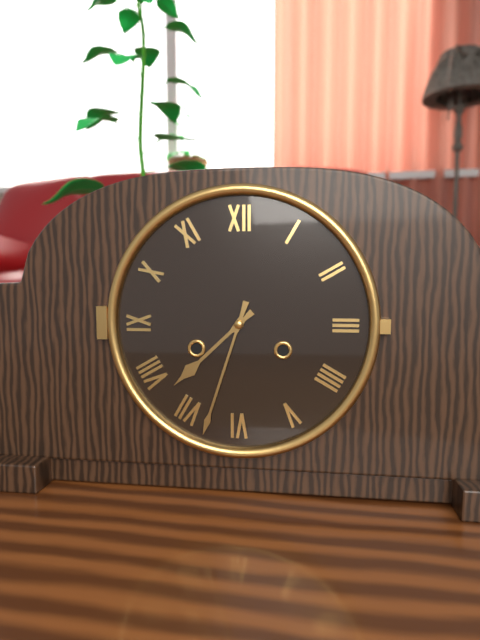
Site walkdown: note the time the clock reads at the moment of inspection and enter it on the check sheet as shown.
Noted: 7:33
